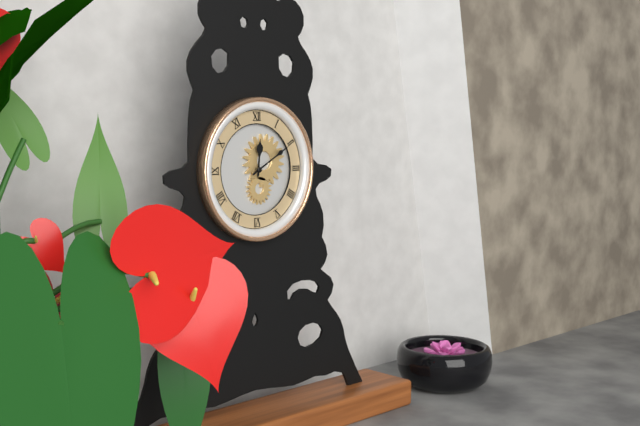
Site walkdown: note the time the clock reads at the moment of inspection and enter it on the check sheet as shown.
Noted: 12:10
